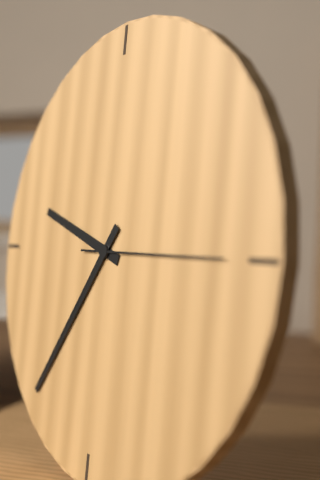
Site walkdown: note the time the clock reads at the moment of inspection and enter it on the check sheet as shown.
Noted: 9:36:15
